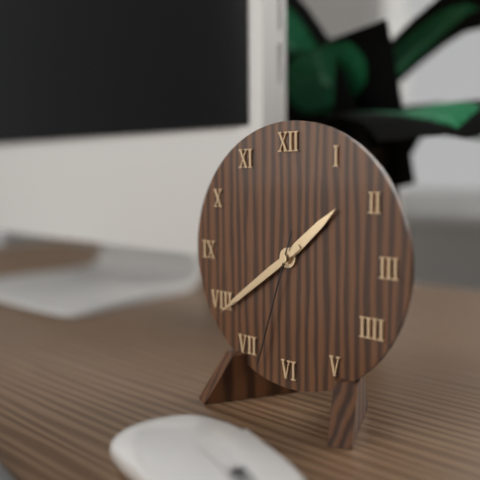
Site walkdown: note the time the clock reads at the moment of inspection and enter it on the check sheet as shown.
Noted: 1:39:33
